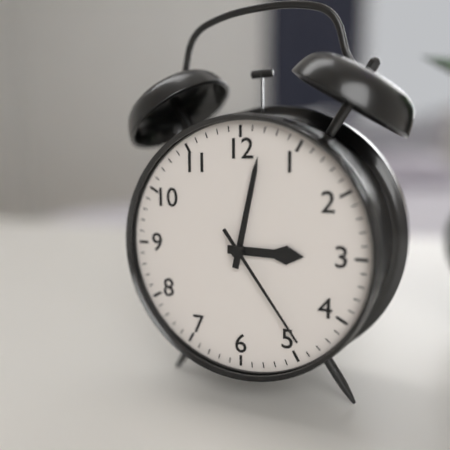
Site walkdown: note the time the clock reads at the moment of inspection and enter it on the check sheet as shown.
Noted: 3:02:24
